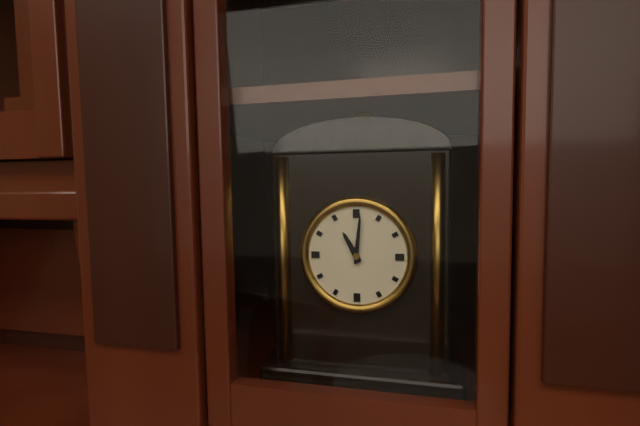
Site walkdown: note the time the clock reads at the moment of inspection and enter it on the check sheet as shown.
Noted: 11:01
